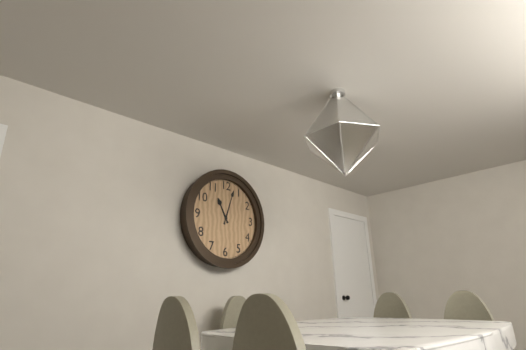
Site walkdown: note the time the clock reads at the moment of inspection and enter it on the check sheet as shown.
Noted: 11:03
